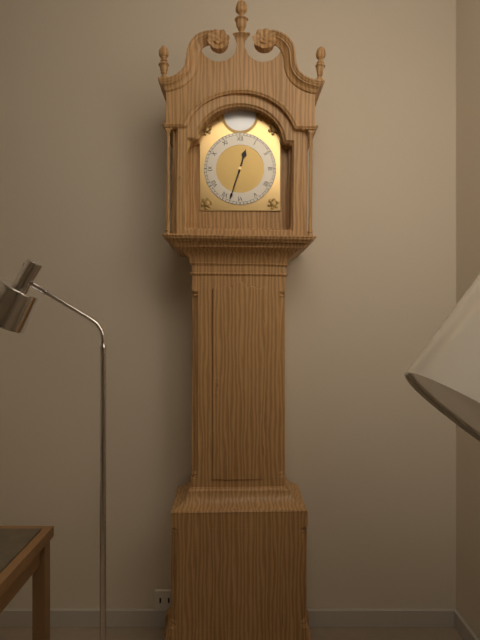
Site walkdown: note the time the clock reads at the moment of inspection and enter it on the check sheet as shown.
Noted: 12:33
